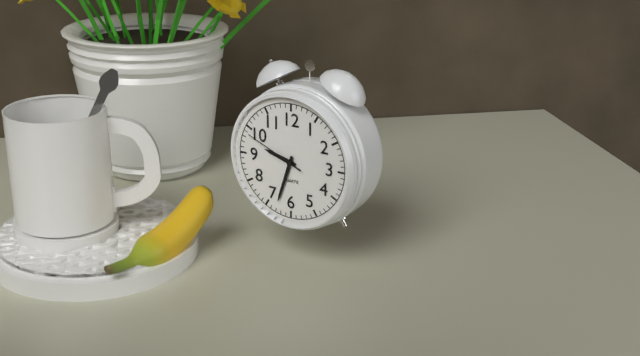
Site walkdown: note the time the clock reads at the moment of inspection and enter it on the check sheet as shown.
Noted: 9:33:49
